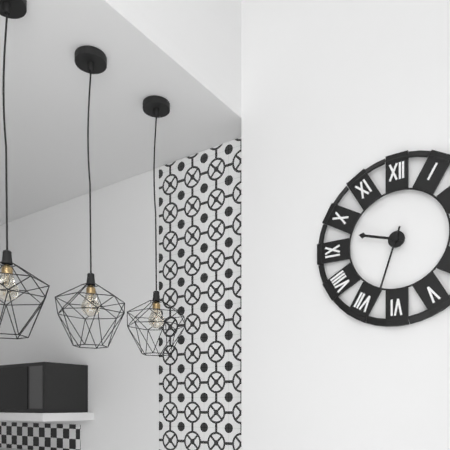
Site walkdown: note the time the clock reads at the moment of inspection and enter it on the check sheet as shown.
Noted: 9:33
